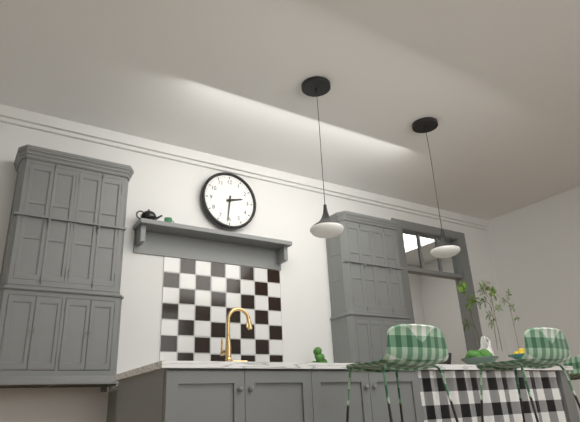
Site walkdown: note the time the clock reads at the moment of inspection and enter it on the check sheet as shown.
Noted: 2:31
